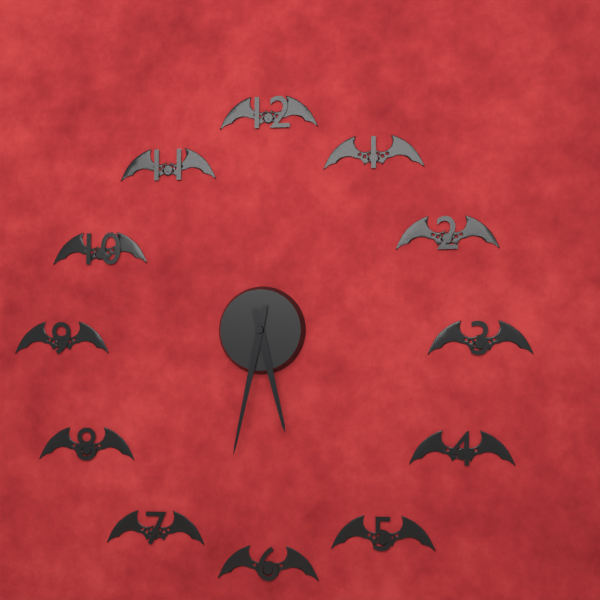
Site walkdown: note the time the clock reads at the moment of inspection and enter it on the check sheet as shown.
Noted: 5:32
